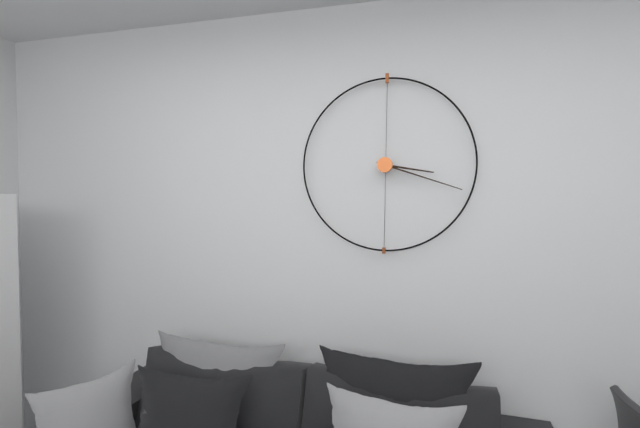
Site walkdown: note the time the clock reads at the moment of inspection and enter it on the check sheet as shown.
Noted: 3:18
